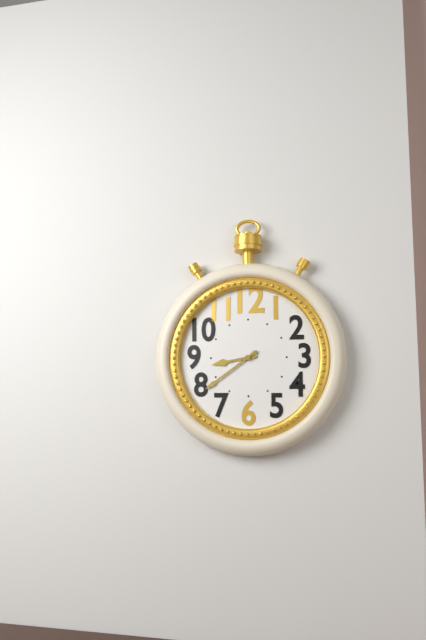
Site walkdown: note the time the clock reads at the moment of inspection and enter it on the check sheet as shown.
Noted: 8:39
